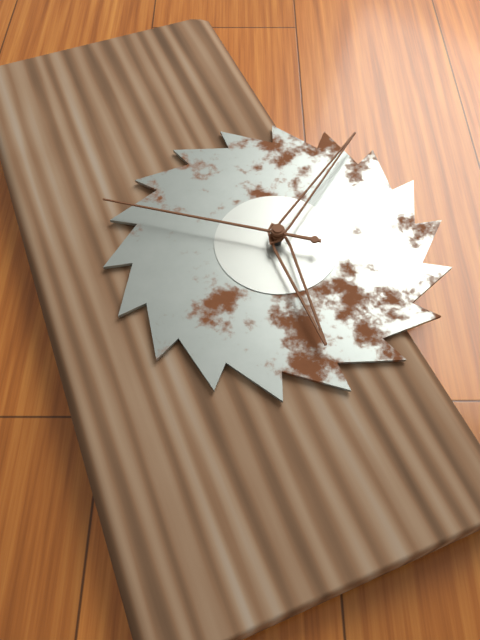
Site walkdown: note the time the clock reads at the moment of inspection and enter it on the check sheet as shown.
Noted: 6:09:51
